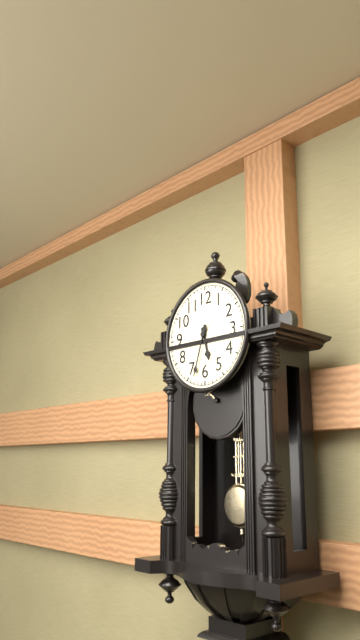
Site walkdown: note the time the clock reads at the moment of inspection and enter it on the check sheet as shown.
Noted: 5:33
